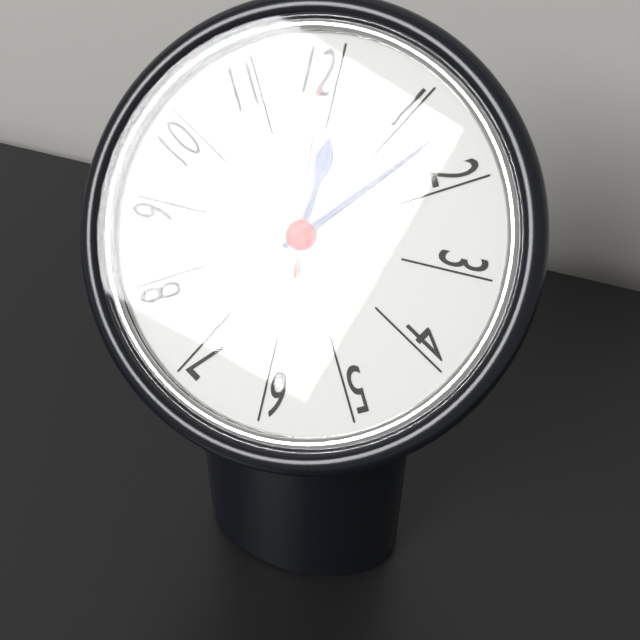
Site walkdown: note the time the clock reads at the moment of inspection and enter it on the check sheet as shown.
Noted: 12:07:59
